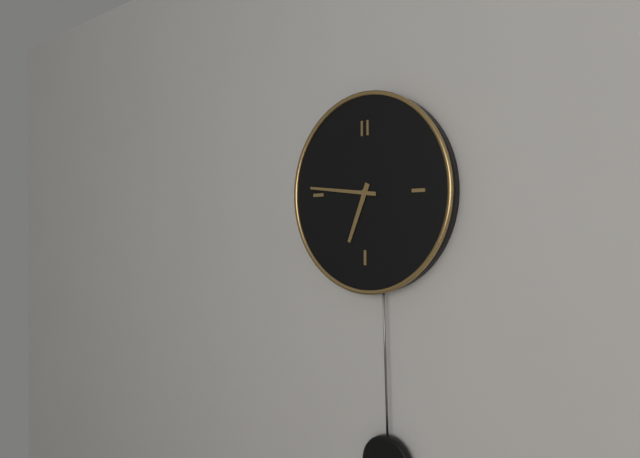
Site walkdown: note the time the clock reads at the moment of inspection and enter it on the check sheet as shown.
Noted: 6:46
